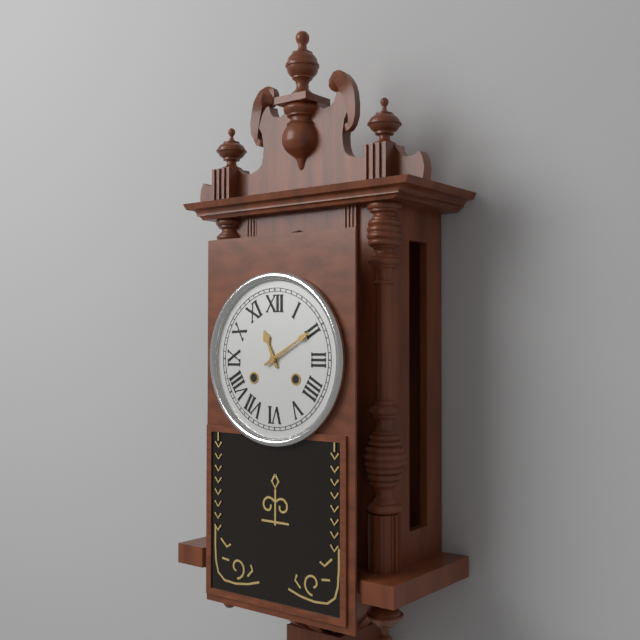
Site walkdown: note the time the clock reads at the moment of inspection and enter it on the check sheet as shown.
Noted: 11:10
